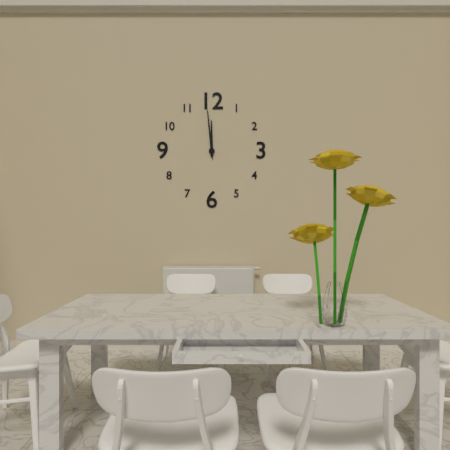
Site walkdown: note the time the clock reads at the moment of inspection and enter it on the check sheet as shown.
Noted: 11:59
